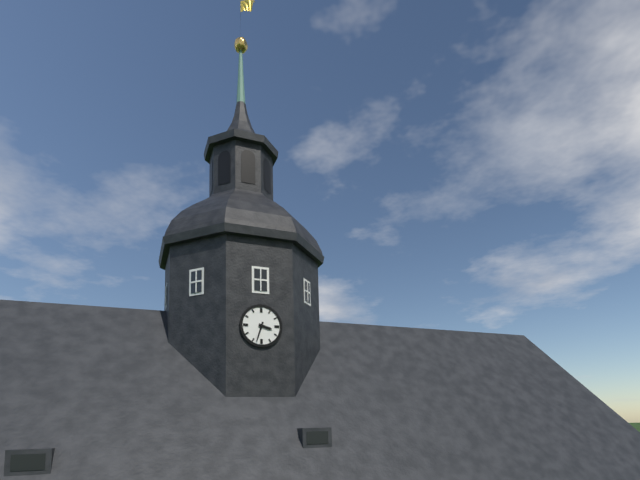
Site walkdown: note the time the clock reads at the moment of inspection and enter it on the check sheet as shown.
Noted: 3:33
